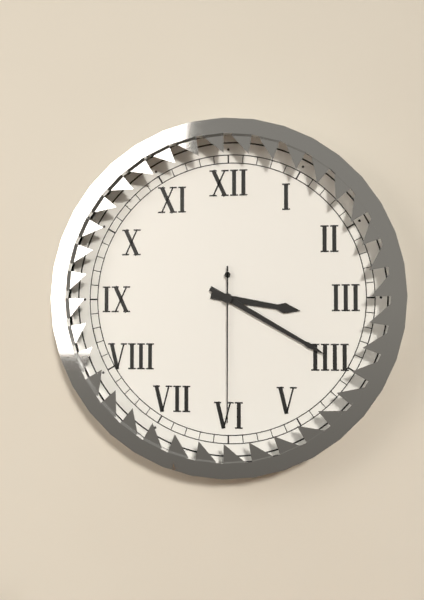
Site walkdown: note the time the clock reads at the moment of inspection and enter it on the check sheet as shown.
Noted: 3:20:30
